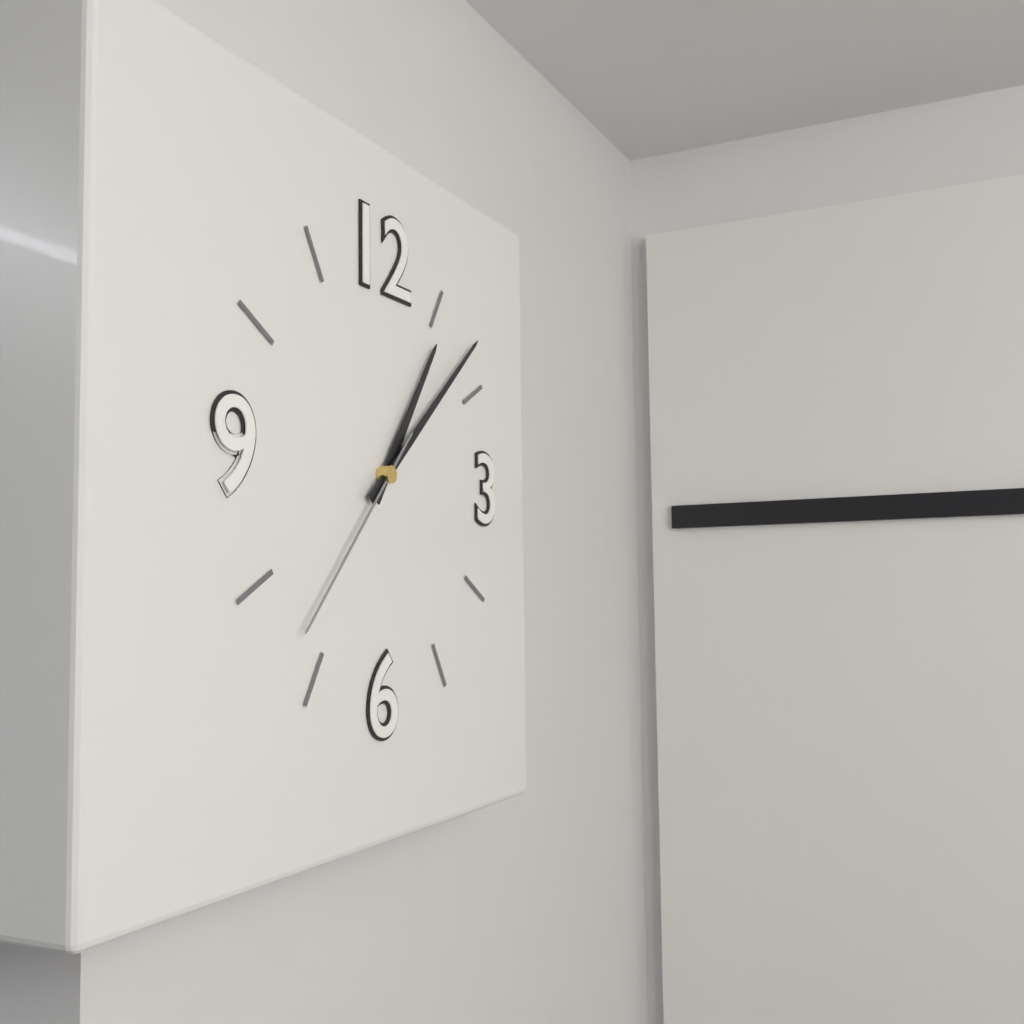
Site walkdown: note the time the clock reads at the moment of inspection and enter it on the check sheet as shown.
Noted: 1:08:37
